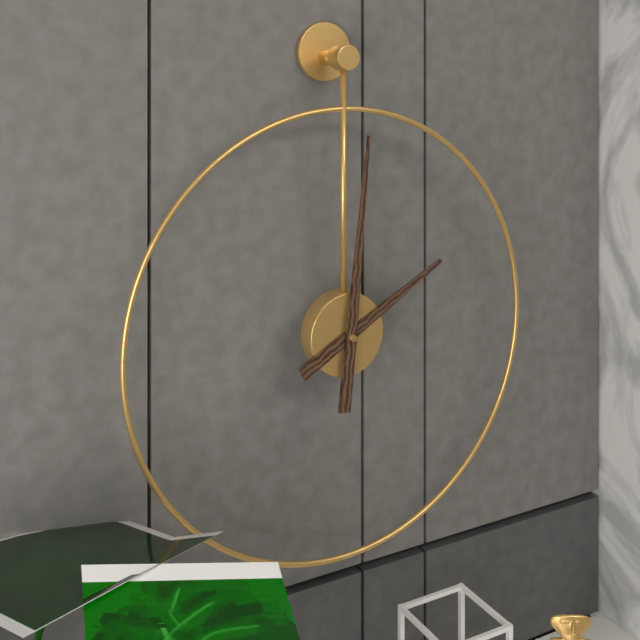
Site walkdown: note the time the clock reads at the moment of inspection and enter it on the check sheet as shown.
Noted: 2:01
